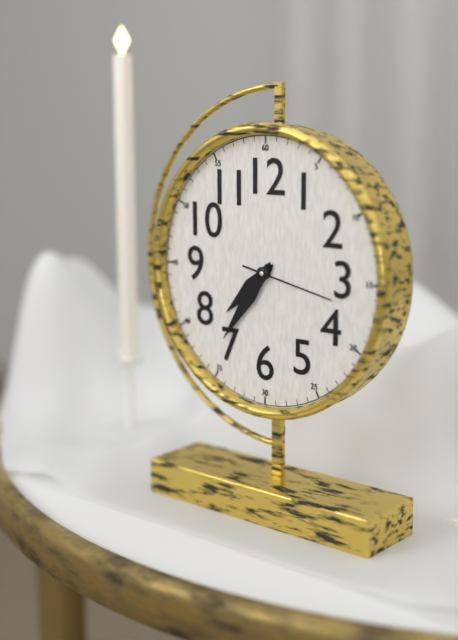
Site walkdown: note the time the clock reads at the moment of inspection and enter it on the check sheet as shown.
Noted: 7:36:17
